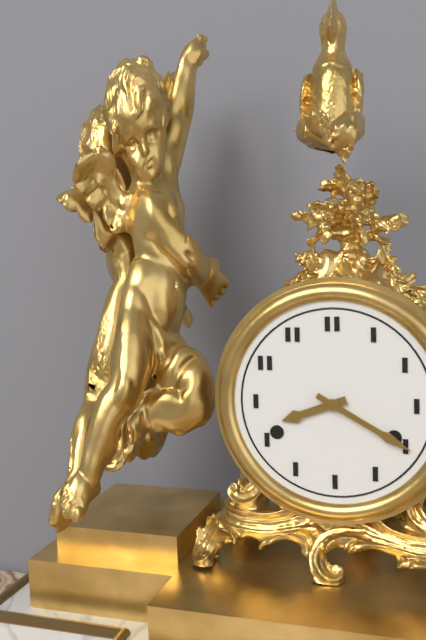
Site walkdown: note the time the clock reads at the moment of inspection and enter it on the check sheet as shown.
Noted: 8:20
